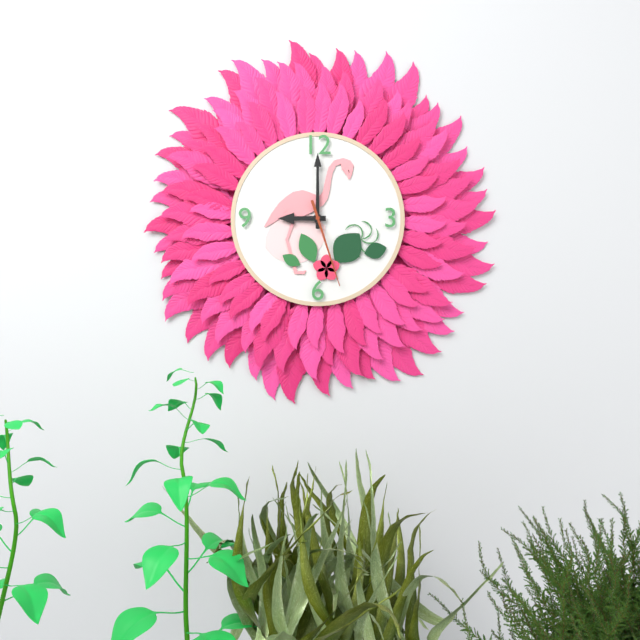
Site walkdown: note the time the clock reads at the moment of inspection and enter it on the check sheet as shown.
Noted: 9:00:27
